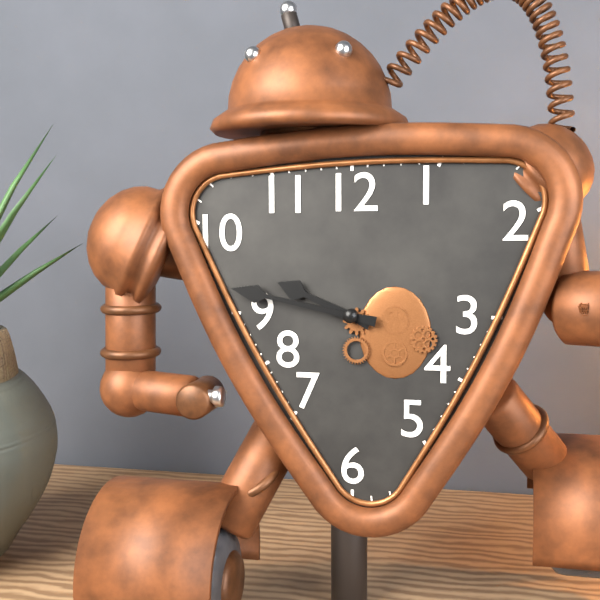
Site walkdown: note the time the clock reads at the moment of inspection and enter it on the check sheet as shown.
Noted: 9:47
